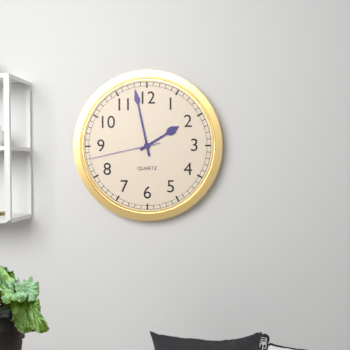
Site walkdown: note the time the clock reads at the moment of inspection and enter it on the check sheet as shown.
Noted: 1:58:43
